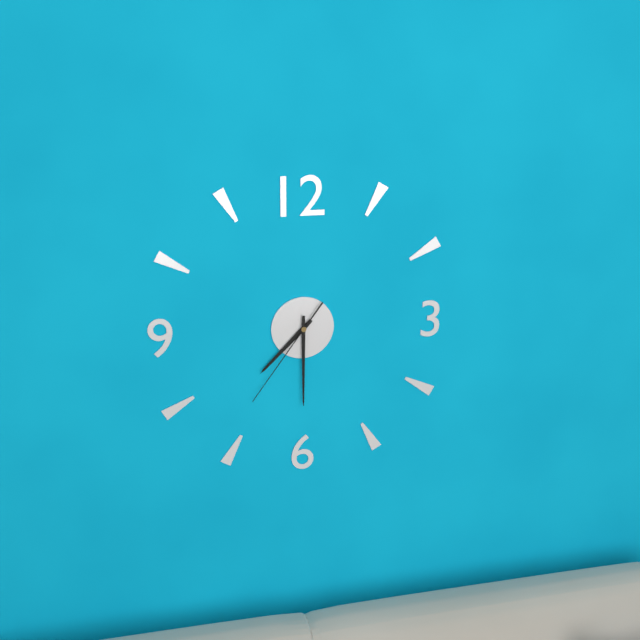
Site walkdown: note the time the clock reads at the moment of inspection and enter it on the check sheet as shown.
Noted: 7:30:36
